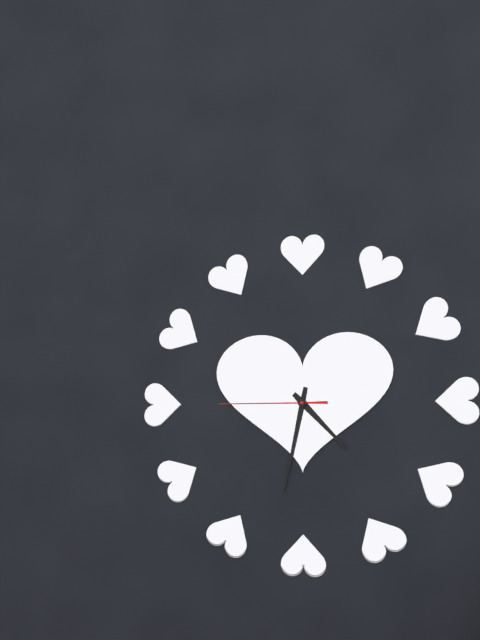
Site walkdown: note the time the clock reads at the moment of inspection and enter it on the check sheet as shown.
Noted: 4:32:45
